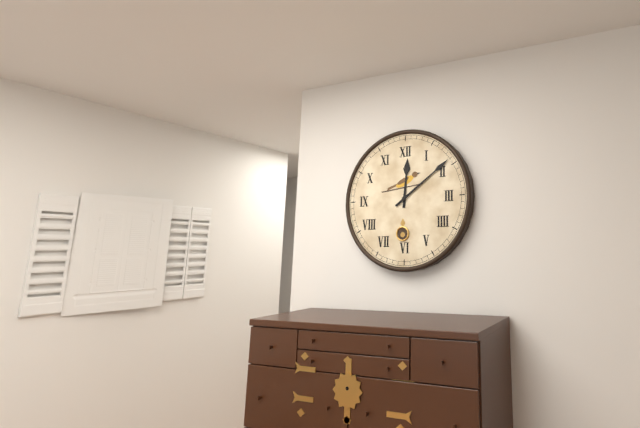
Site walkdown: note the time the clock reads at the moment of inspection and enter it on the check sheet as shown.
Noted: 12:09
